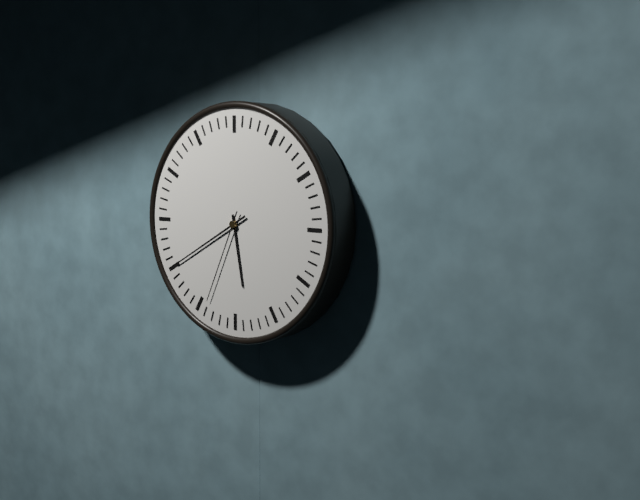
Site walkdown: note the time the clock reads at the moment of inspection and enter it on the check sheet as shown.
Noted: 5:40:34
